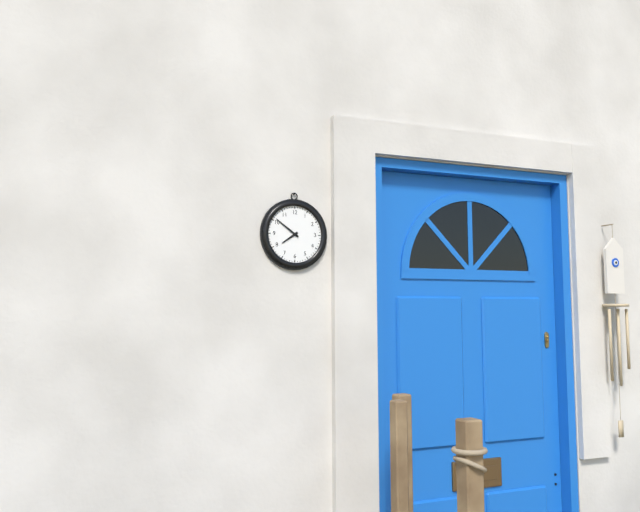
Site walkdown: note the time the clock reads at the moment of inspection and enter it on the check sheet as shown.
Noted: 7:51
